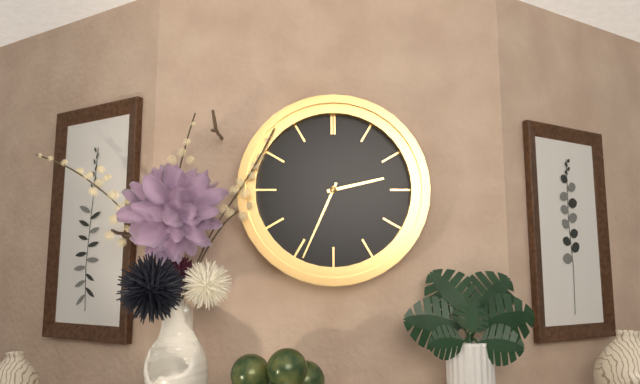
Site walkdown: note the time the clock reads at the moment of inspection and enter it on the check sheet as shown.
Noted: 2:34
